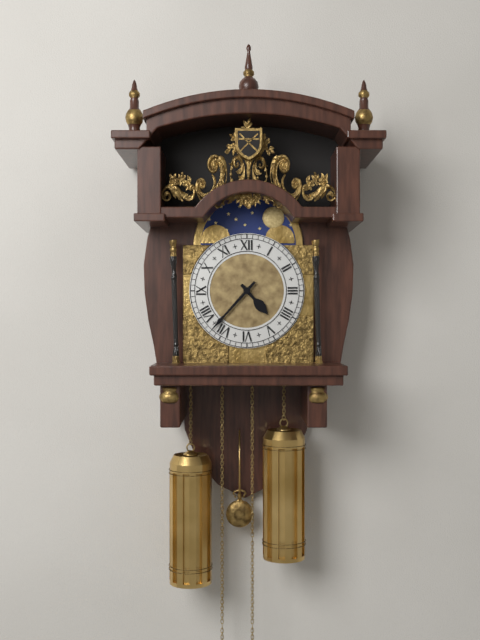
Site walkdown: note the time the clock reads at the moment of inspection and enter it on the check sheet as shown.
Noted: 4:37
